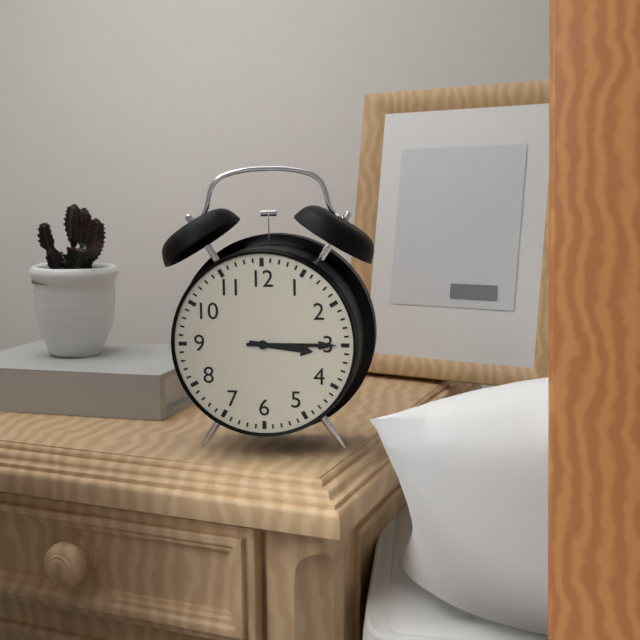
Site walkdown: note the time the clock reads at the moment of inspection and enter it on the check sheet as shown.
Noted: 3:15
